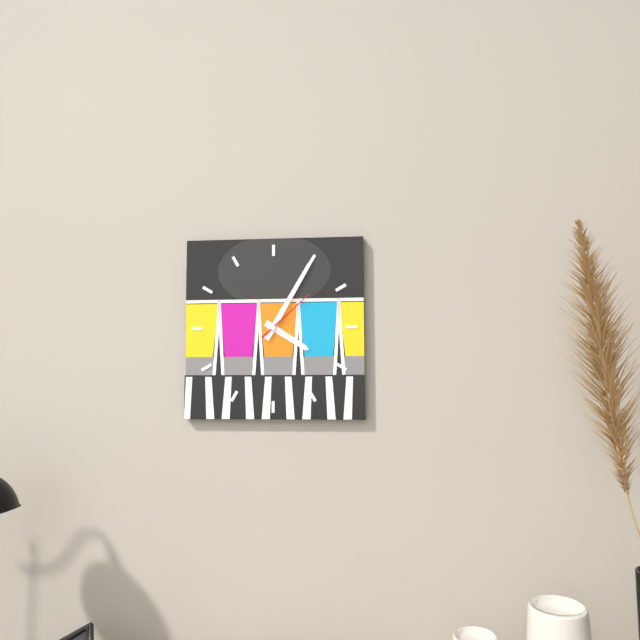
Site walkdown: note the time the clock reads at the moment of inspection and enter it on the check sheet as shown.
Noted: 4:05:08
